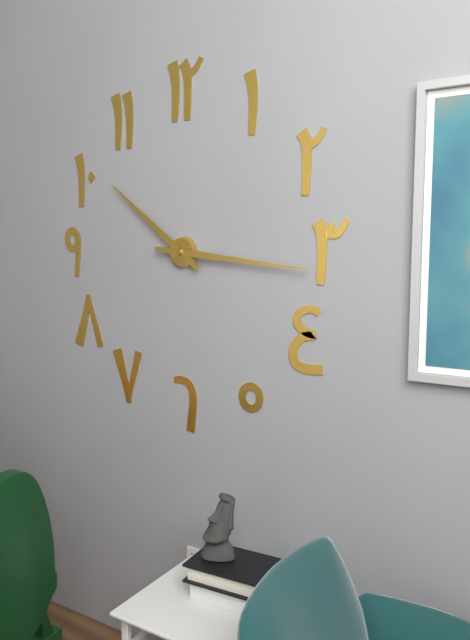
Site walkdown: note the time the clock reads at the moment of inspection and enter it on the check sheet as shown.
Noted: 10:16
